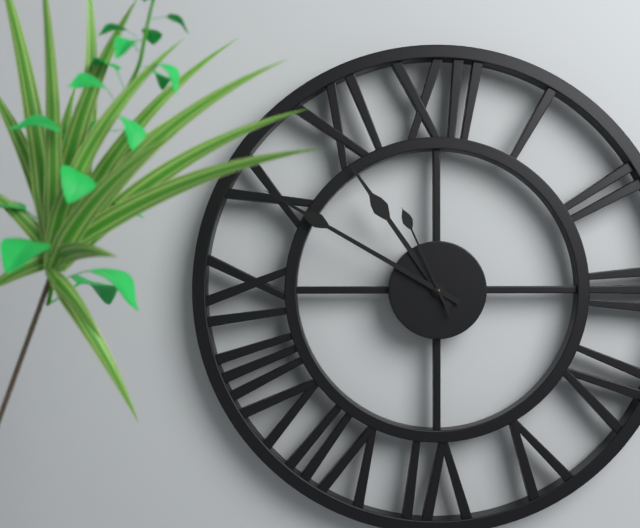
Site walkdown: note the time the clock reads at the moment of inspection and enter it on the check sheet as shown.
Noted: 10:50:56
